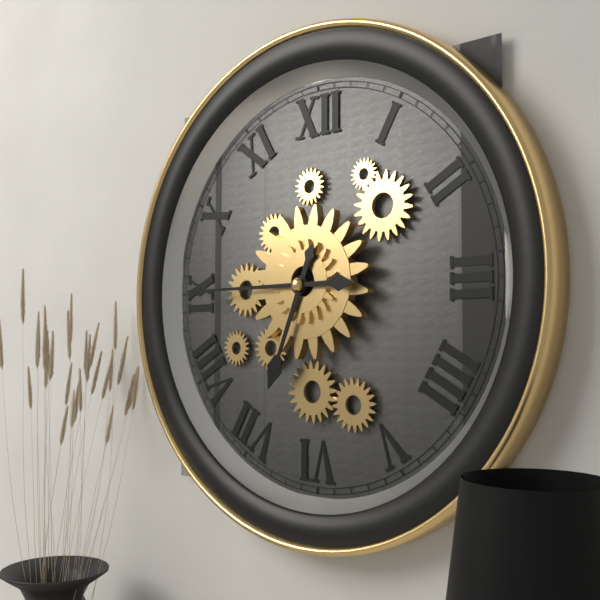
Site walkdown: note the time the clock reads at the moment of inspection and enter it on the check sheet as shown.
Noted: 6:45
